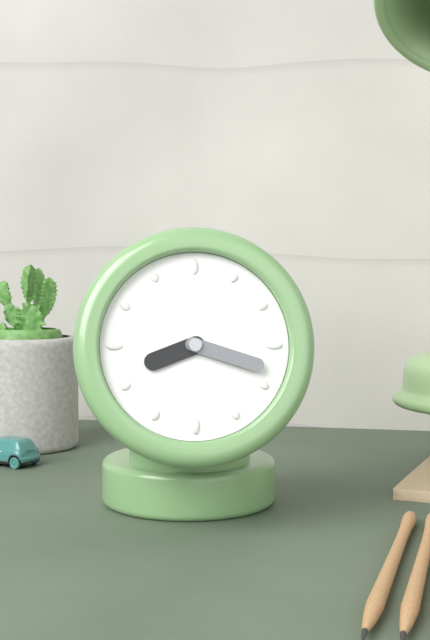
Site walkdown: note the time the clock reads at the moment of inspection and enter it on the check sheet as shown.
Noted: 8:18
